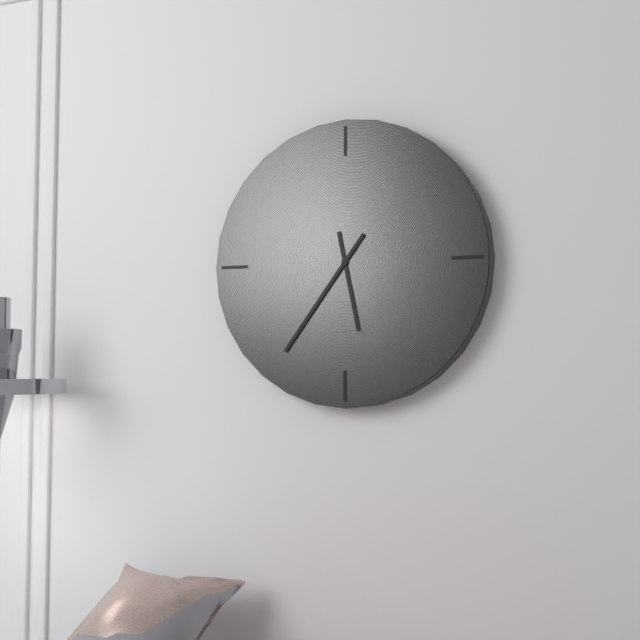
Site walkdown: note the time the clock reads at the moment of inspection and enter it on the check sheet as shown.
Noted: 5:36
